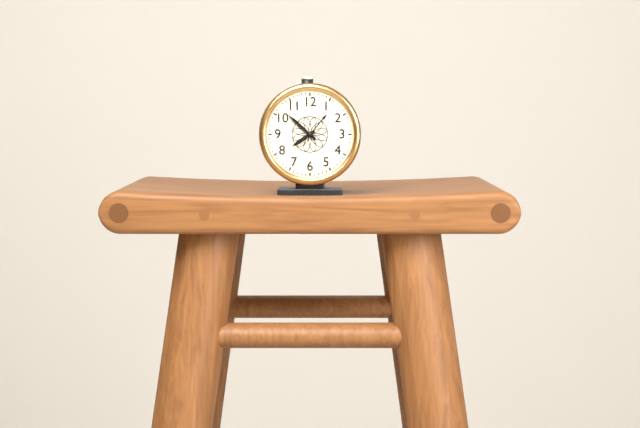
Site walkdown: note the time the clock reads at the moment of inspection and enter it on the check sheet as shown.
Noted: 7:52
